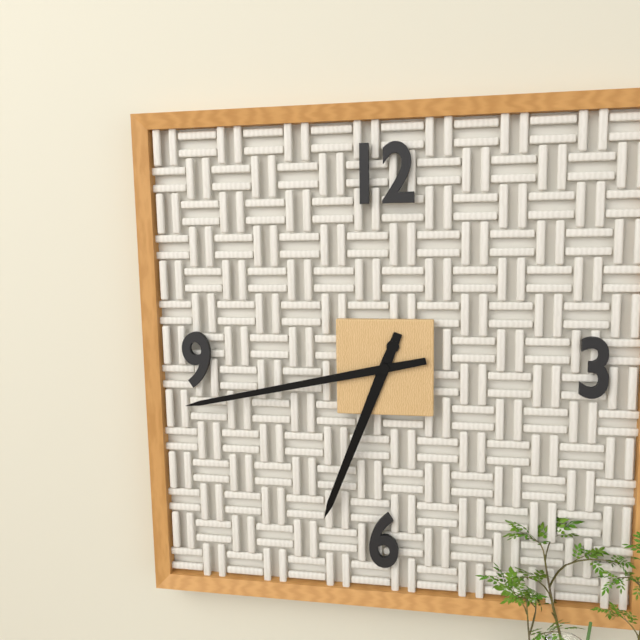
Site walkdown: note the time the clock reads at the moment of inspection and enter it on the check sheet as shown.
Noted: 6:43
